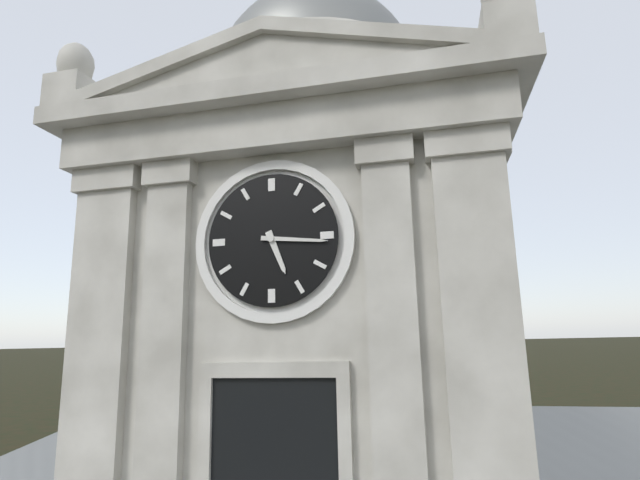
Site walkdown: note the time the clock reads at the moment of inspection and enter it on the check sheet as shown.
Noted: 5:16
